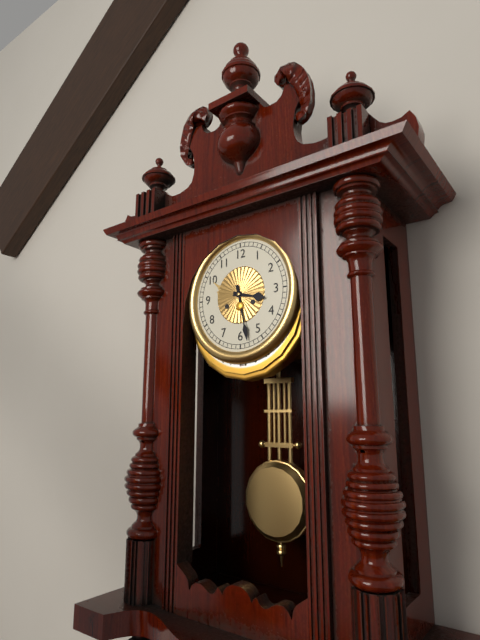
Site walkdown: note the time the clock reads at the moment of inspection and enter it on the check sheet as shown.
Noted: 3:28
